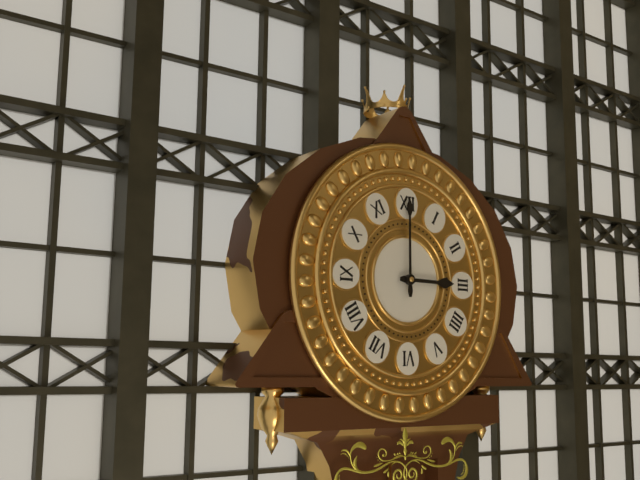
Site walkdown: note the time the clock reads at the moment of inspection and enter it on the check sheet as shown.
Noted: 3:00
